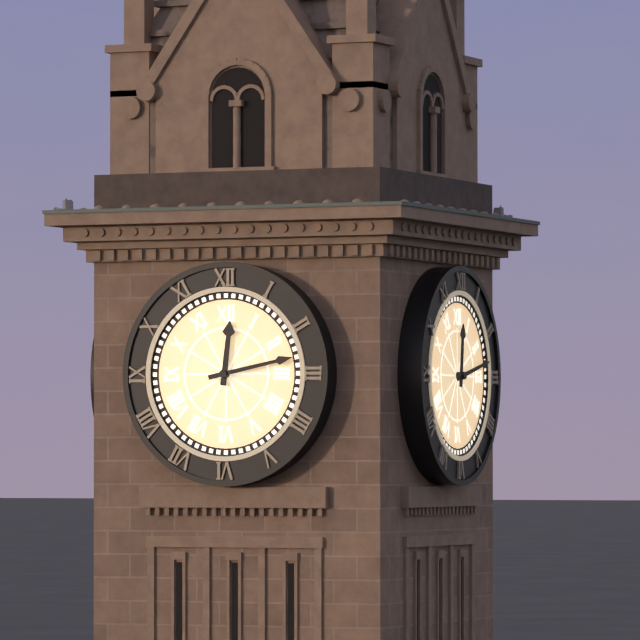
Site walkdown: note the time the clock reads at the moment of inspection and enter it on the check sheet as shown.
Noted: 12:13
